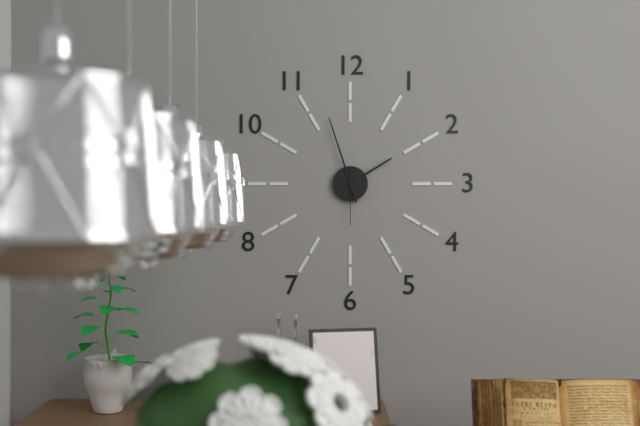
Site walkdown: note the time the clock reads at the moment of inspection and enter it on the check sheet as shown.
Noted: 1:57:30
